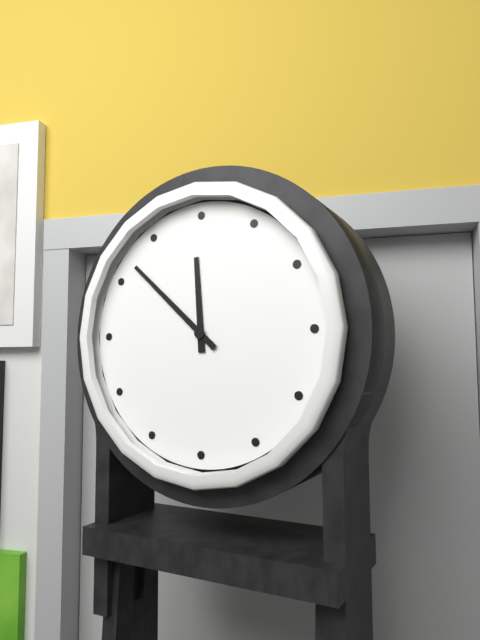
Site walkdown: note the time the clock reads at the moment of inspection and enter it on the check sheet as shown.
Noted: 11:52
